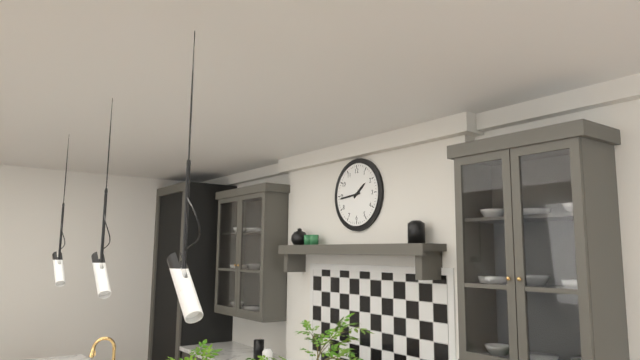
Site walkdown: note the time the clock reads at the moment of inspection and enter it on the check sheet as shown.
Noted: 1:44
